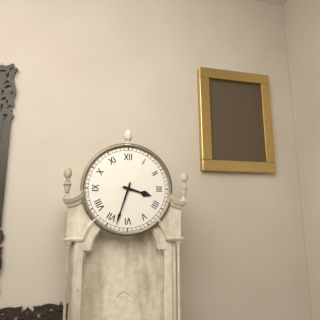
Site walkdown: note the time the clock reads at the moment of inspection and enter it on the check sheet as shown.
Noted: 3:33
